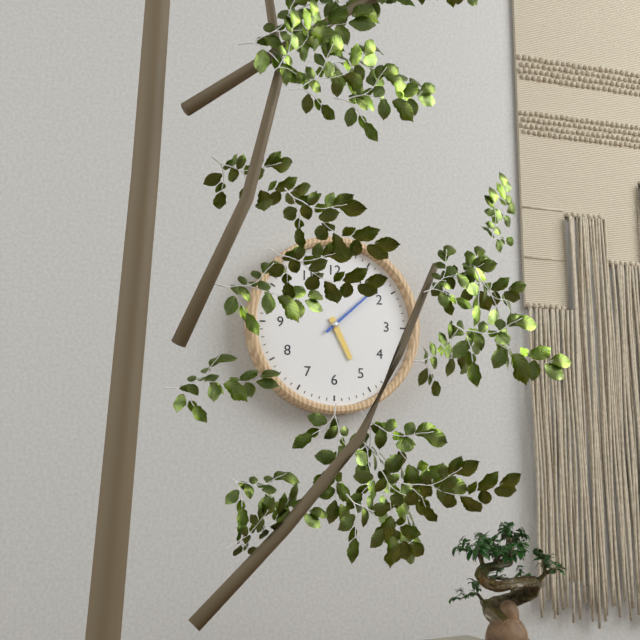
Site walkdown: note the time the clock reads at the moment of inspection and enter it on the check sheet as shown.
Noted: 5:08
